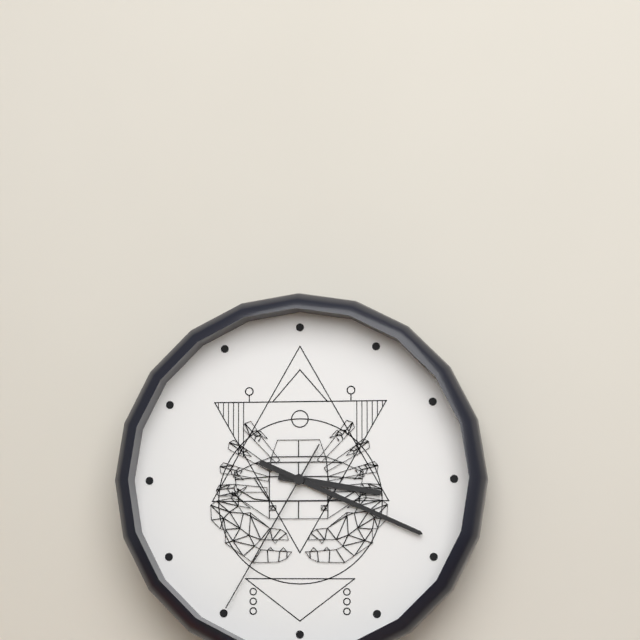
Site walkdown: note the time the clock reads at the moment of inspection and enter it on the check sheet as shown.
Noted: 3:19:35
